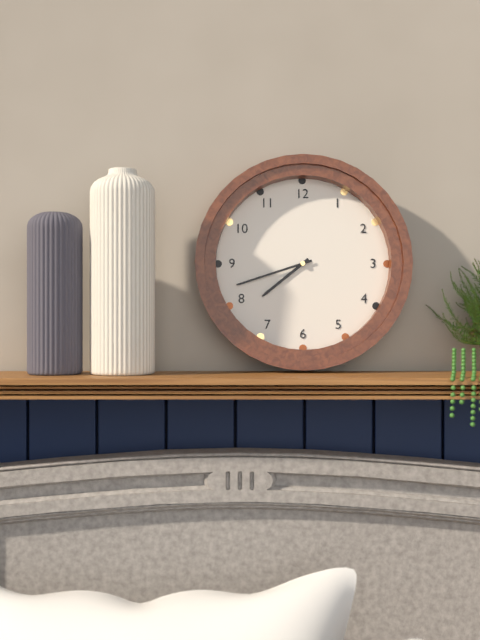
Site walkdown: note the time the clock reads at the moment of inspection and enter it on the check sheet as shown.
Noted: 7:42
